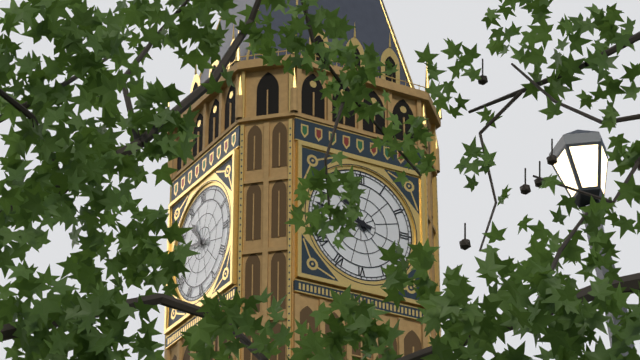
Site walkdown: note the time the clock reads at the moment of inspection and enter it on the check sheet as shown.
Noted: 10:47
